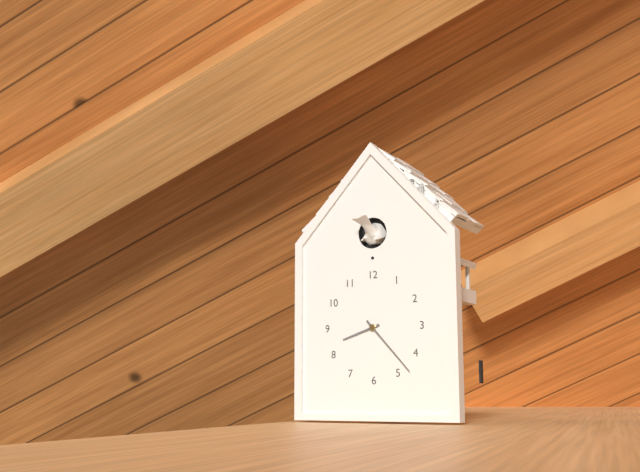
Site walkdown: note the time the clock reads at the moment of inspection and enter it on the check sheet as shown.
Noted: 8:23
